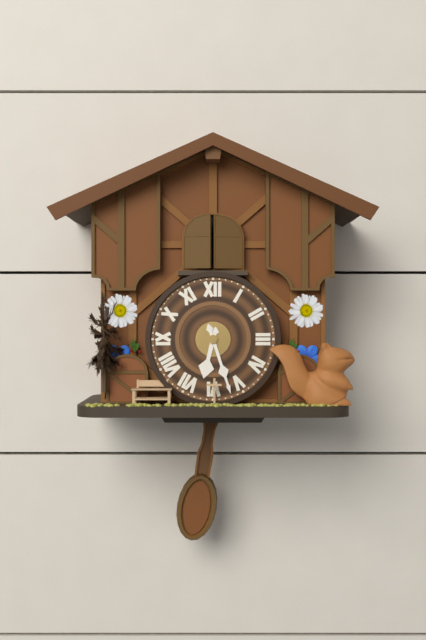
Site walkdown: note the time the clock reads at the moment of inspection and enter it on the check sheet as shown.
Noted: 6:27
